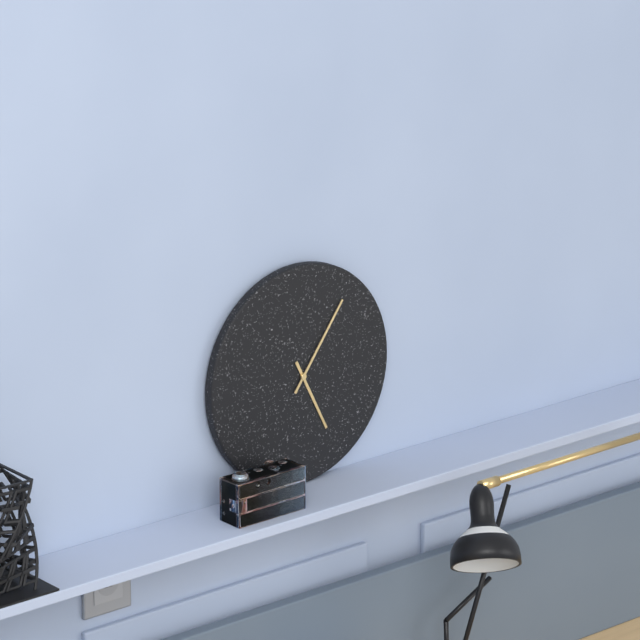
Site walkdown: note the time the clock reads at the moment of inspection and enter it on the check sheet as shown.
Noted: 5:06
